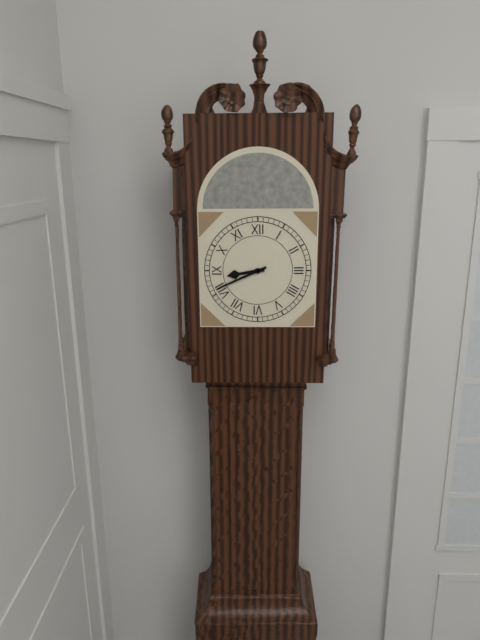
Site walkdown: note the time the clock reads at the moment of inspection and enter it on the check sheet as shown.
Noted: 8:41
